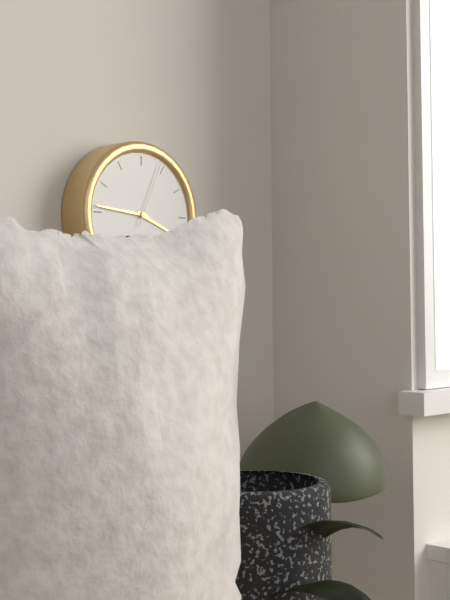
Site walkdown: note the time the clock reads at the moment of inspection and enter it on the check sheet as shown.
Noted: 3:46:04
